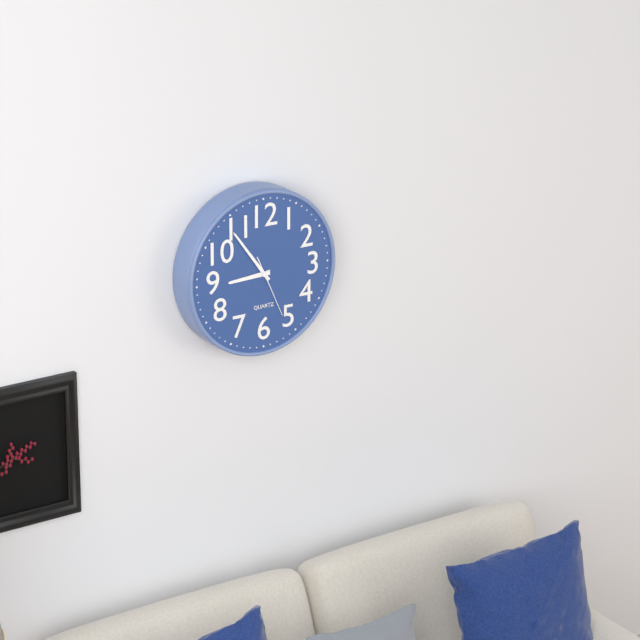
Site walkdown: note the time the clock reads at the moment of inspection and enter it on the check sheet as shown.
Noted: 8:54:26
